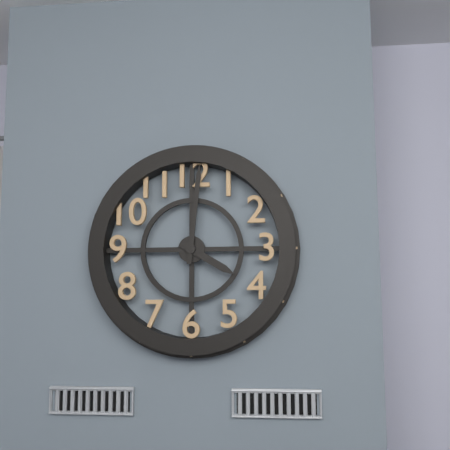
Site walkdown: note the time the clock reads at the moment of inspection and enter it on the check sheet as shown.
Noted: 4:01
